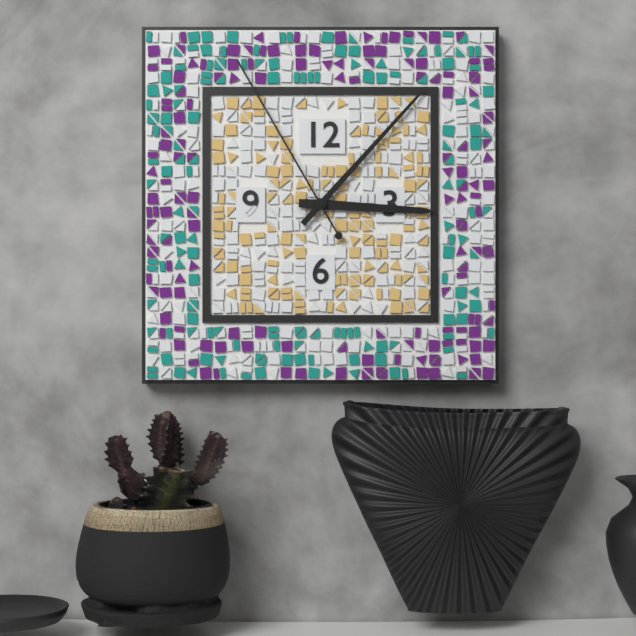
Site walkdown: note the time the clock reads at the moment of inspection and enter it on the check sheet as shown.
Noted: 3:07:55
